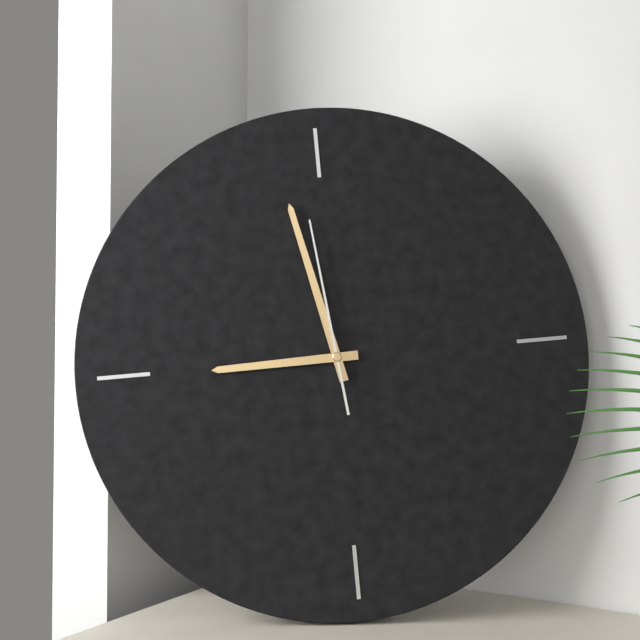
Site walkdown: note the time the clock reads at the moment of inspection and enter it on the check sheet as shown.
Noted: 8:58:59
